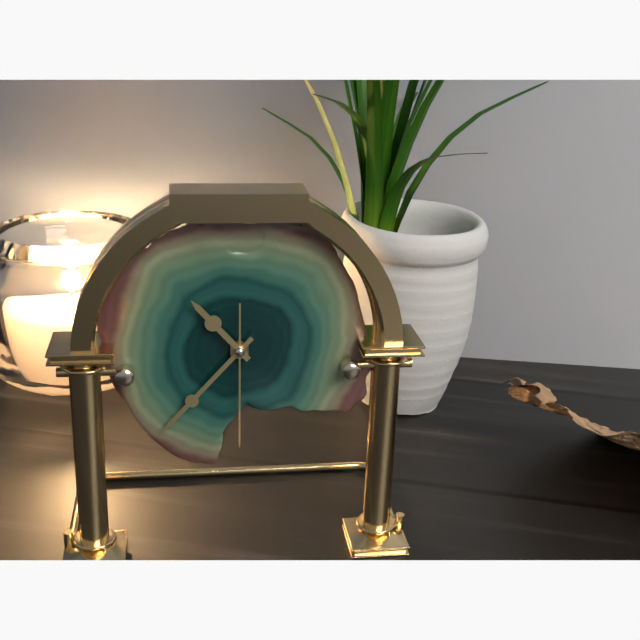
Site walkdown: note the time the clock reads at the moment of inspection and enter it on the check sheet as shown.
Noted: 10:37:30
